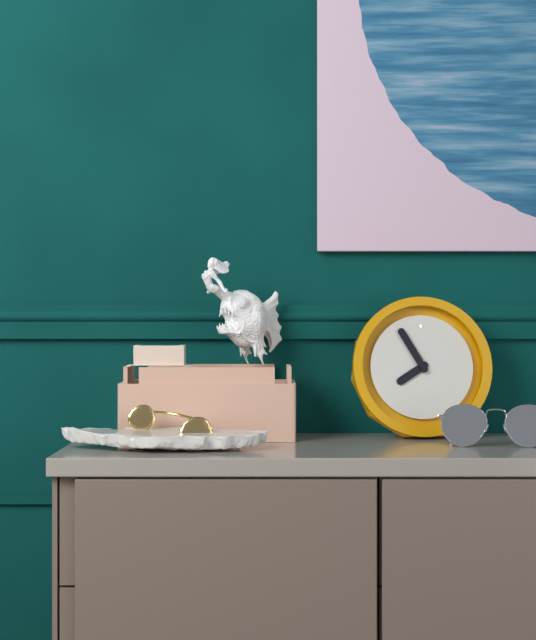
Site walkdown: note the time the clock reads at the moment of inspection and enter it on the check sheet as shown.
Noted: 7:55
